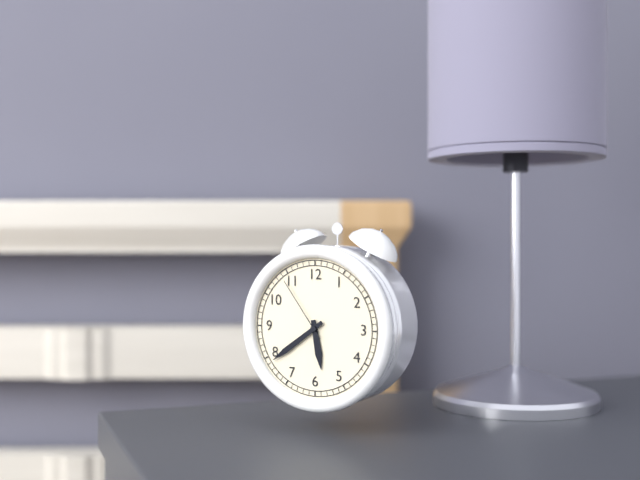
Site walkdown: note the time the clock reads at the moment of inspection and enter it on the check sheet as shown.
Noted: 5:39:54
